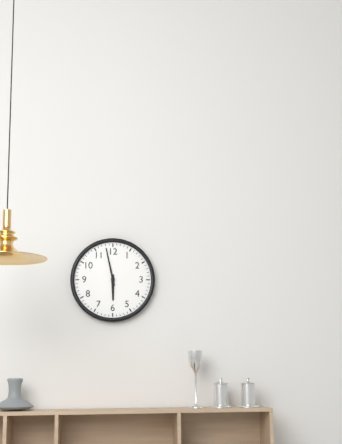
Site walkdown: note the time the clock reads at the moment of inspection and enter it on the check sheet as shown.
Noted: 5:58
